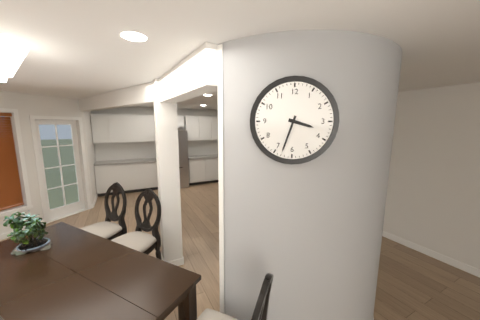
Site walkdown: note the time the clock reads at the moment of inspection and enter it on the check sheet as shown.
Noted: 3:33
